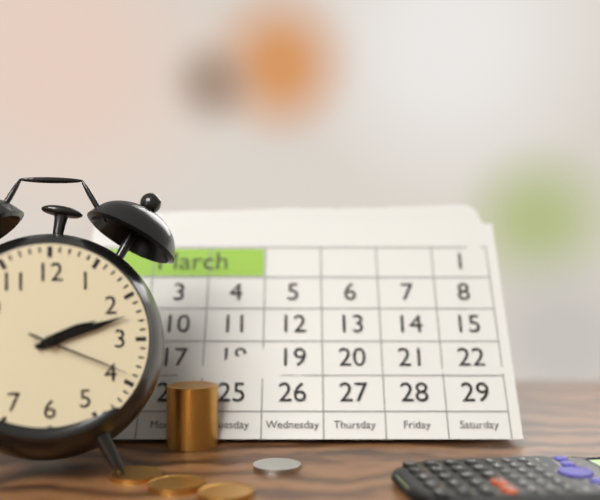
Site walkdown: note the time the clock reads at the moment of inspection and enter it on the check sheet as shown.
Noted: 2:12:19
